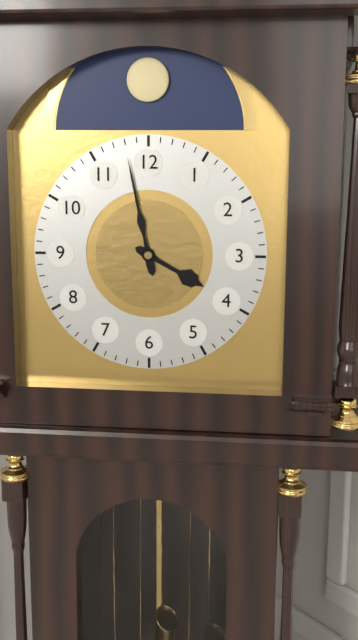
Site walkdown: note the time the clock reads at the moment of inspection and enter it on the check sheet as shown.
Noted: 3:58
